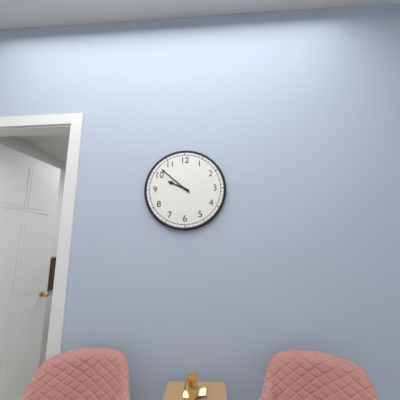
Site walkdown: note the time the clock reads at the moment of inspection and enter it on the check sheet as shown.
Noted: 9:52
